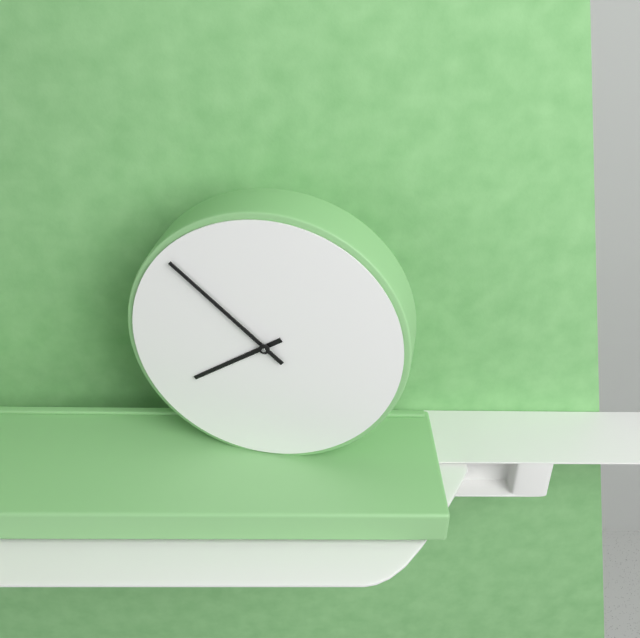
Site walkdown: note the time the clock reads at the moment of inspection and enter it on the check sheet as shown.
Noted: 7:52
